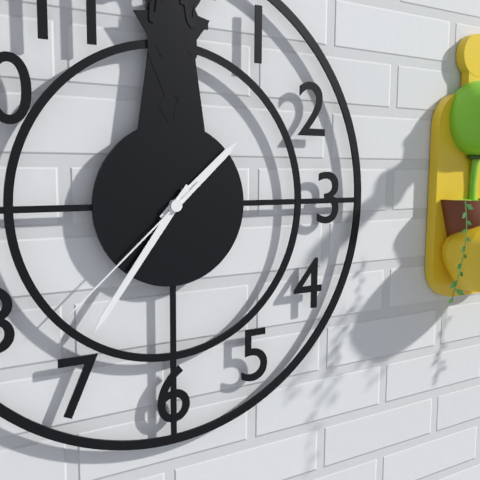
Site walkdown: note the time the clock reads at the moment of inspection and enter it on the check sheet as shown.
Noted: 1:36:38
